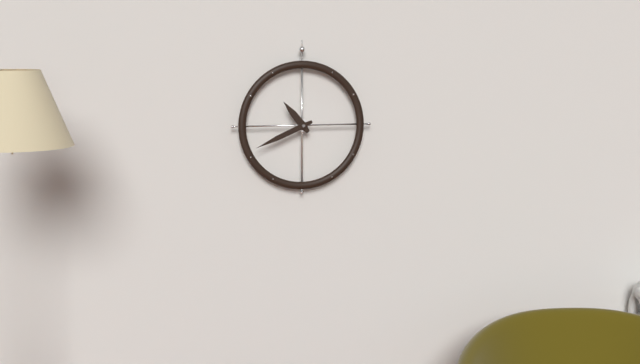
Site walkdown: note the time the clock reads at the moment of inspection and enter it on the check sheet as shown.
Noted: 10:41
